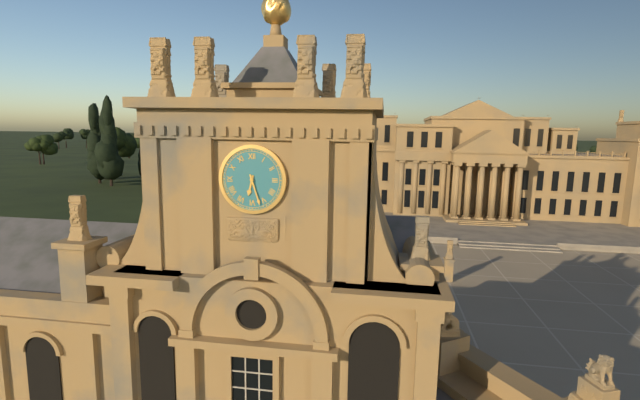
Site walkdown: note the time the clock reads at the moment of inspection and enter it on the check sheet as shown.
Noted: 6:27
